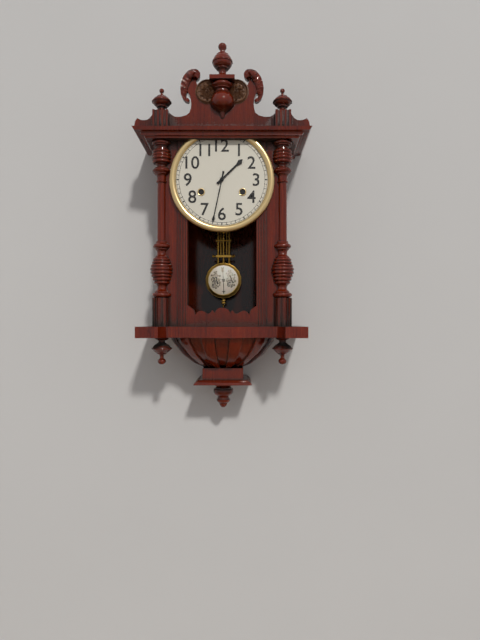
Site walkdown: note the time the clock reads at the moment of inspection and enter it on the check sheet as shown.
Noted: 1:32
